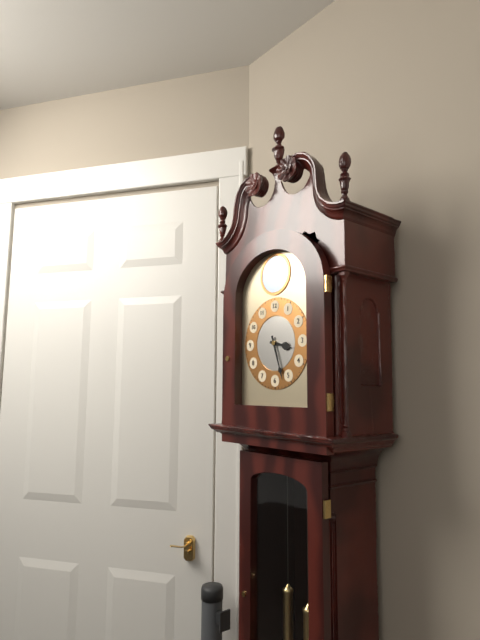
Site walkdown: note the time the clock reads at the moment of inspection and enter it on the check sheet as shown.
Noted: 3:27
